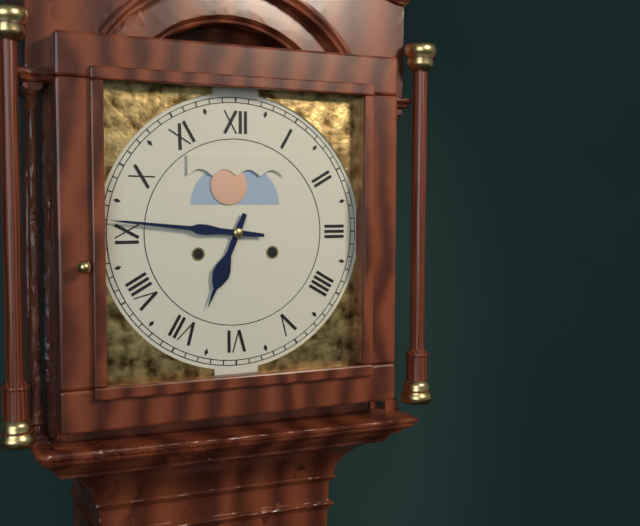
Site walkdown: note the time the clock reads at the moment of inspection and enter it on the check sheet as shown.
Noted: 6:46
